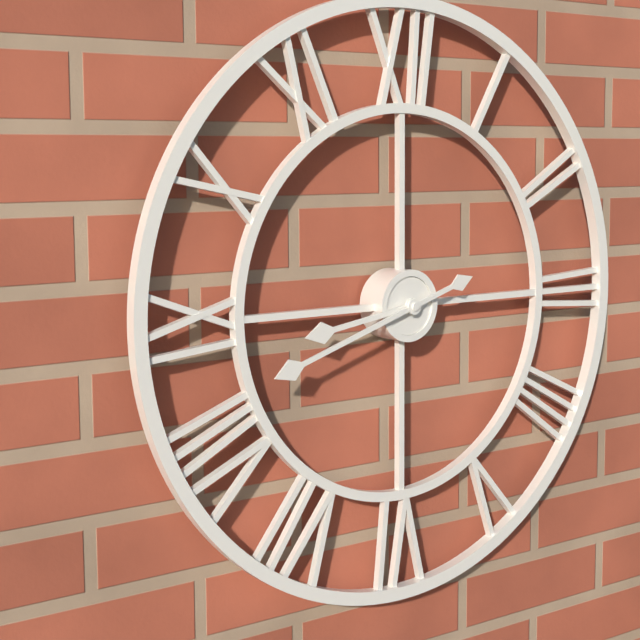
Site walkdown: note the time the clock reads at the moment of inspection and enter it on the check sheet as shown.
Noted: 8:42
